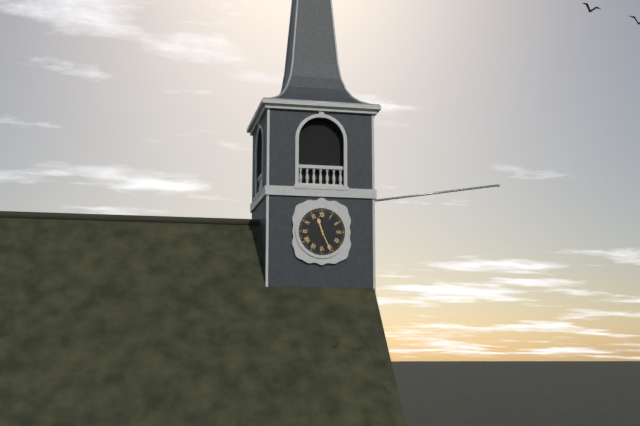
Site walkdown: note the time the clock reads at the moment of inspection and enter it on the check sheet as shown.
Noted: 11:26
